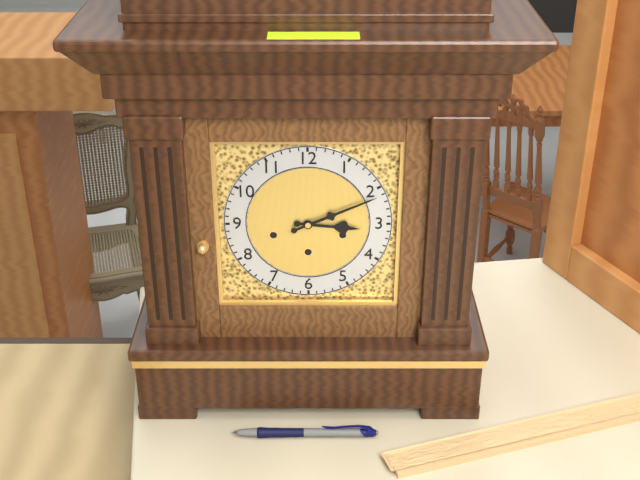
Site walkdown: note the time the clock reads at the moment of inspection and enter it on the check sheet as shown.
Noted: 3:11
